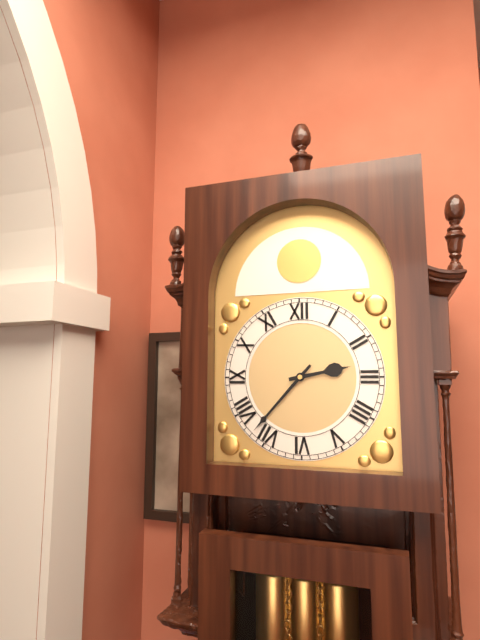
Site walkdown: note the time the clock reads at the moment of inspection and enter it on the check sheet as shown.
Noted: 2:37
